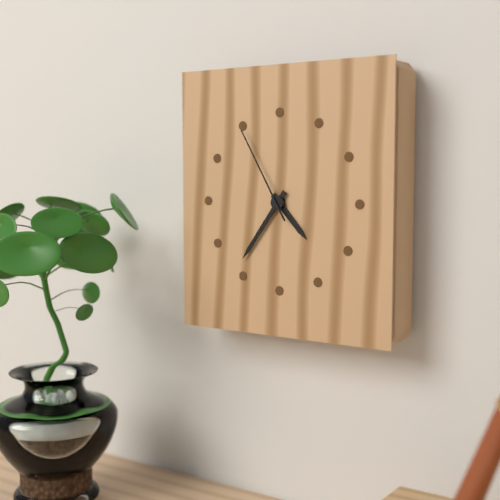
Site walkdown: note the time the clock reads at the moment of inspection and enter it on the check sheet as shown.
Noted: 4:36:55
